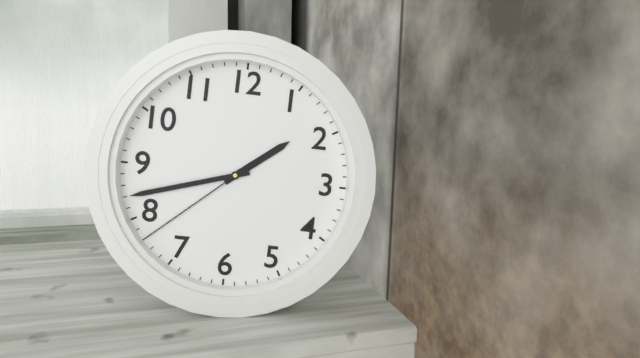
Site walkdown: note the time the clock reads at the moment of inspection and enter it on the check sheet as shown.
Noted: 1:42:38
